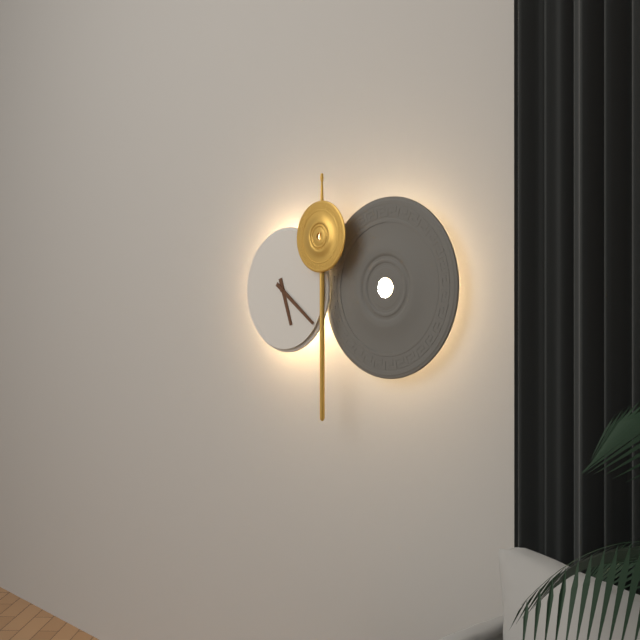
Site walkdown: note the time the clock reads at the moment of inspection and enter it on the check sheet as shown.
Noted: 5:21
